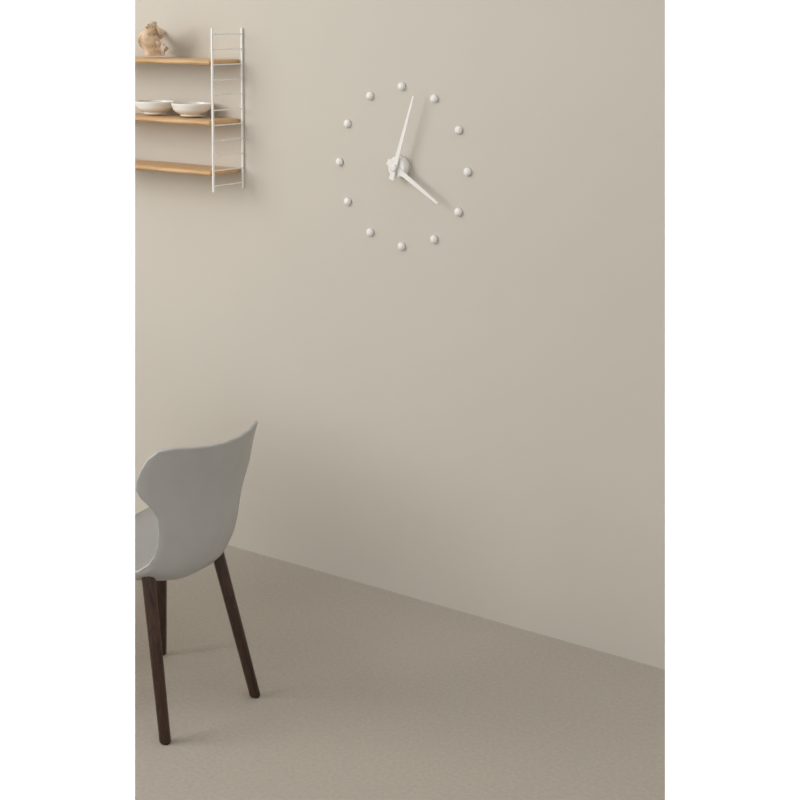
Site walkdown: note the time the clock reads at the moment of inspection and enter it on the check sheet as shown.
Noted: 4:03
